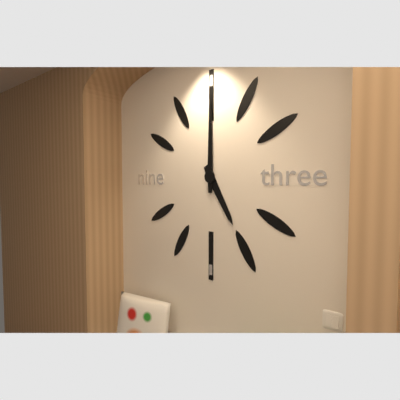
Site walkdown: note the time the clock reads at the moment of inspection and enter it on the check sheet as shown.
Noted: 5:00
